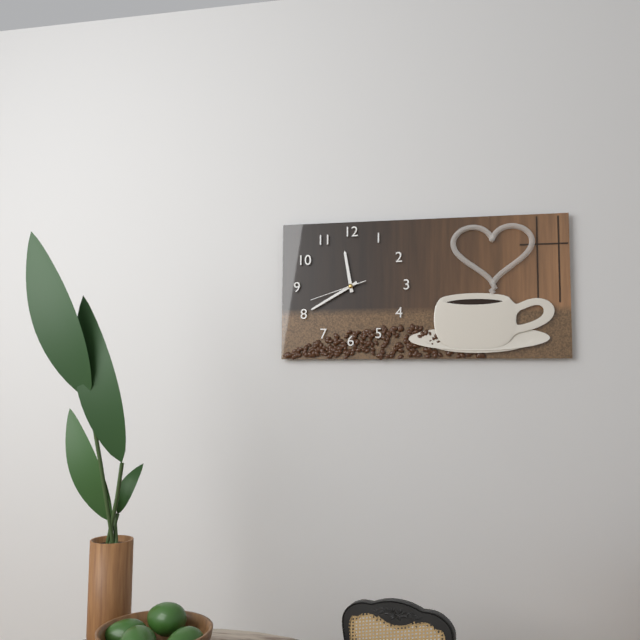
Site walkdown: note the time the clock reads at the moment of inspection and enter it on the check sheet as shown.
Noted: 11:40:42
